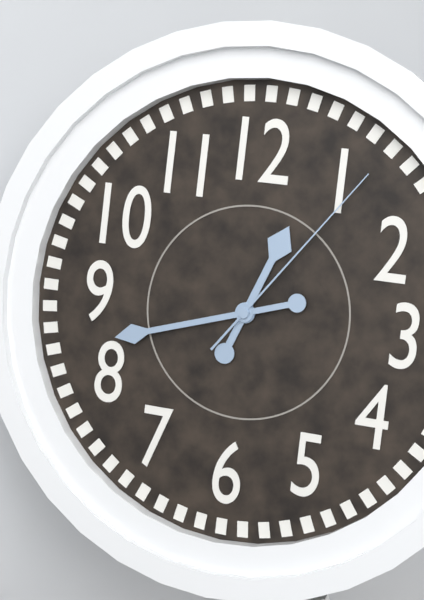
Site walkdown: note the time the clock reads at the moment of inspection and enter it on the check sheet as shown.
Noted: 12:42:06
